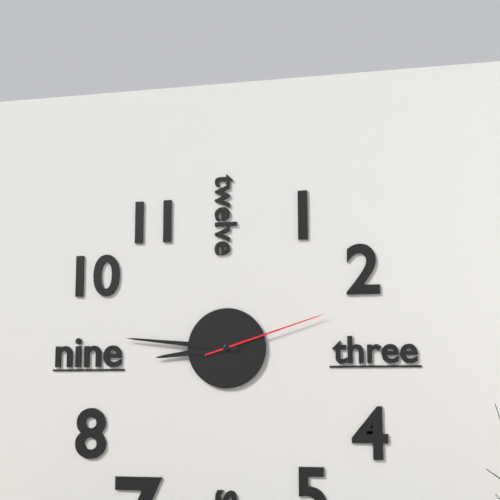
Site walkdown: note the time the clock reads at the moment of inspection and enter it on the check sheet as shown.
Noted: 8:46:12
